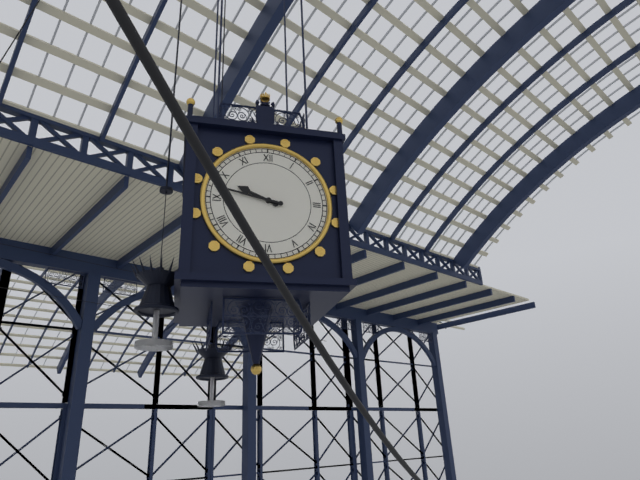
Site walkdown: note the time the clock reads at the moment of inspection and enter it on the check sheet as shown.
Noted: 9:47
